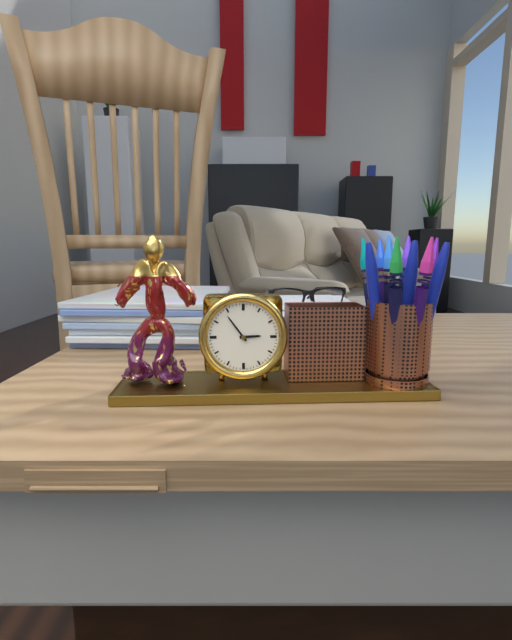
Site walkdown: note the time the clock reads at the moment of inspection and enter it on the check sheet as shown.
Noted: 2:54
